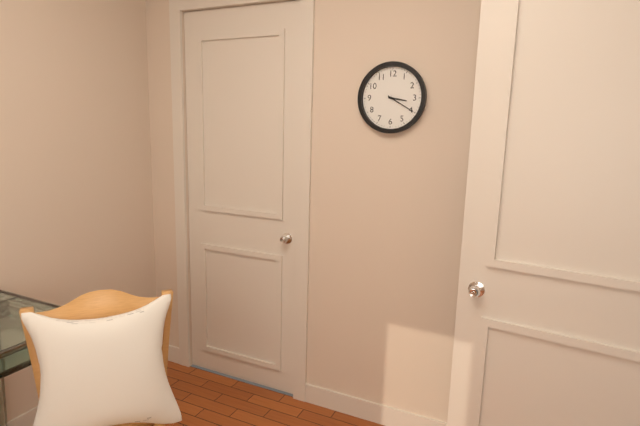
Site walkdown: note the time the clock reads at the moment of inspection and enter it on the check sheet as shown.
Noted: 3:20
